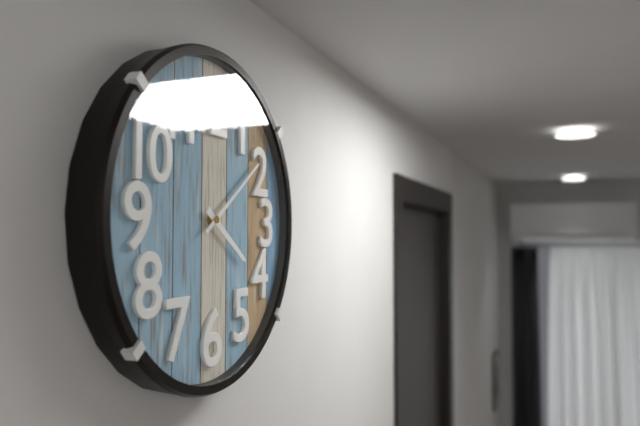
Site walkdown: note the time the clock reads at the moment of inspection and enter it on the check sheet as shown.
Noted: 4:09
